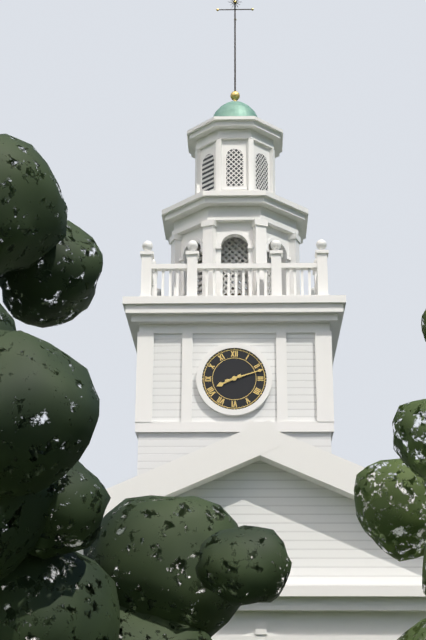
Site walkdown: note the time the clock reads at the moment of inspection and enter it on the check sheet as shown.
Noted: 8:12
